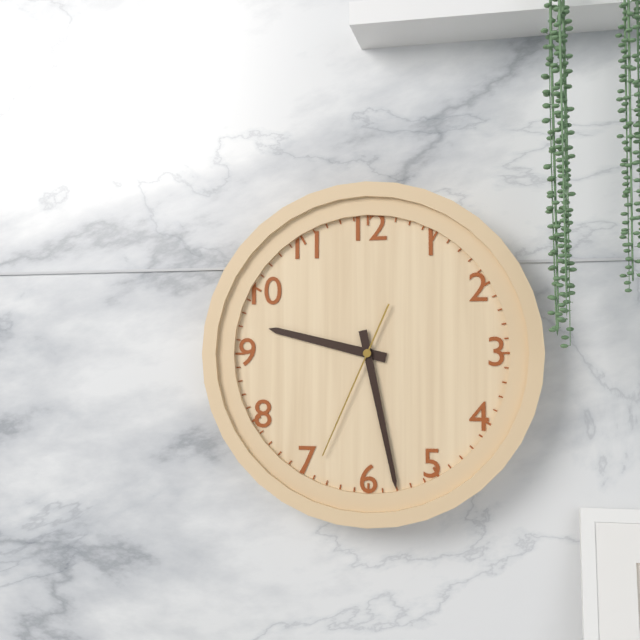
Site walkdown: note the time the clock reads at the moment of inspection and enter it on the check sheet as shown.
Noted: 9:28:34
